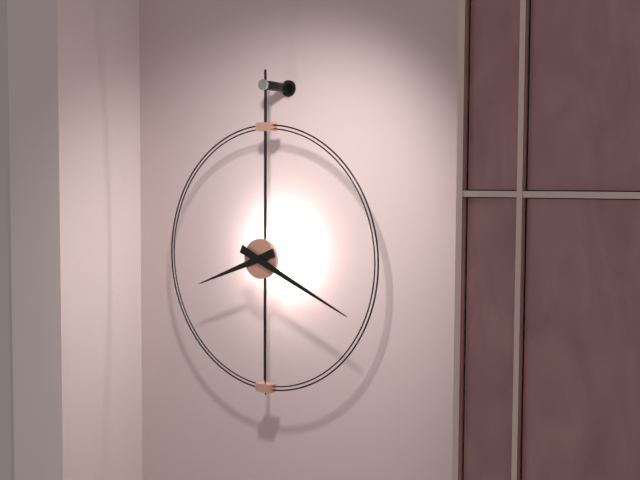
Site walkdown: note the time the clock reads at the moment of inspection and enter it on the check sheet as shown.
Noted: 8:19
